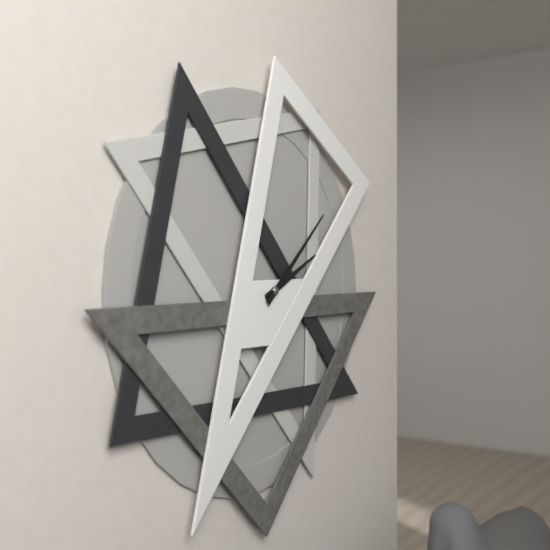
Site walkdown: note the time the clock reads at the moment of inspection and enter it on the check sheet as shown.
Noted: 2:08
